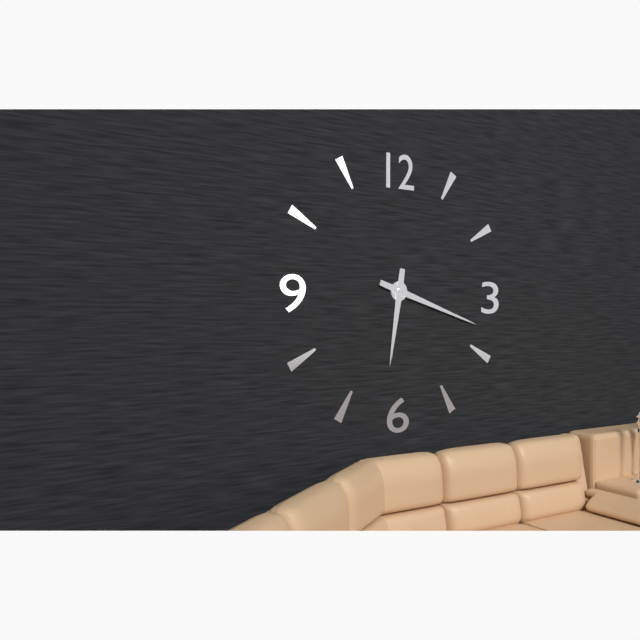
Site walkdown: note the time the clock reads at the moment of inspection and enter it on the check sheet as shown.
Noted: 6:18
